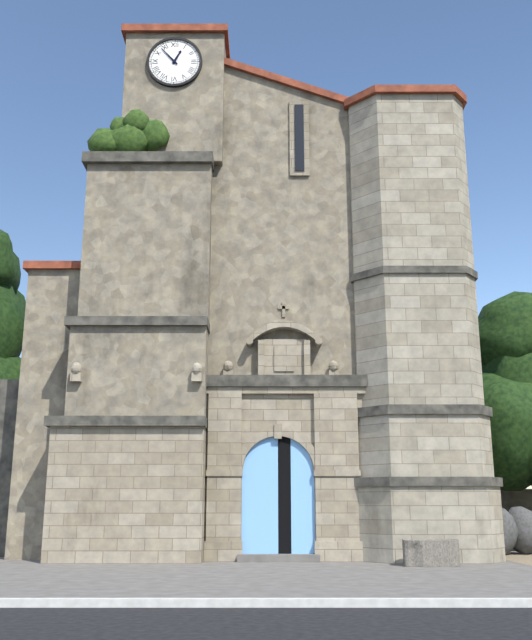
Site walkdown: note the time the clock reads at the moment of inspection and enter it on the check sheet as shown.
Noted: 12:53
